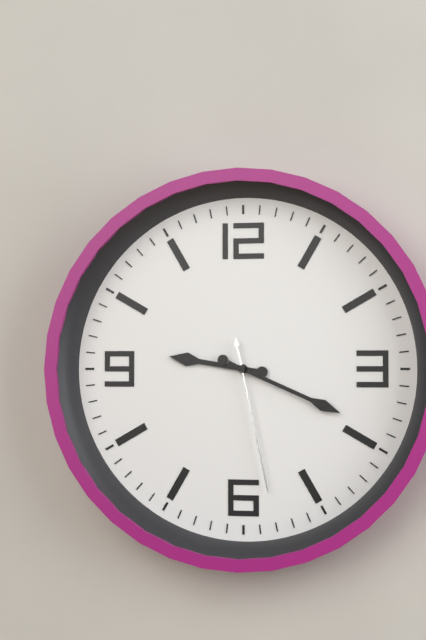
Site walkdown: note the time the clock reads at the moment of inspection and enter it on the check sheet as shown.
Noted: 9:19:28
